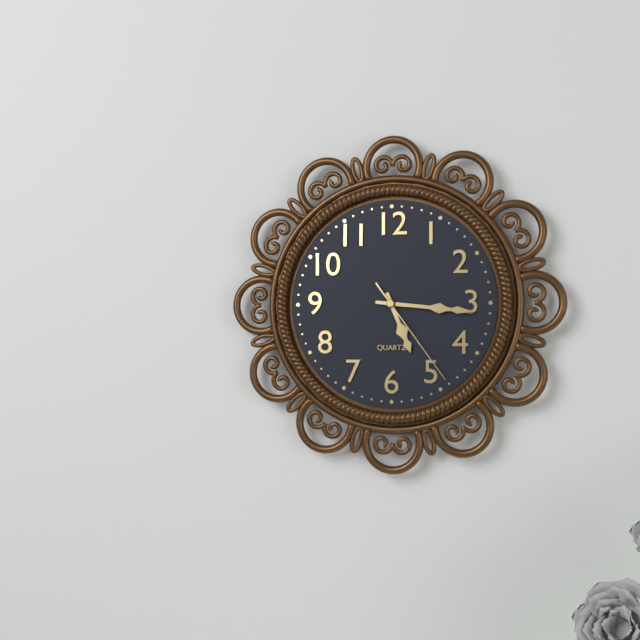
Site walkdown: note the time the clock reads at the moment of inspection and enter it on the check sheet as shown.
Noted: 5:16:24
